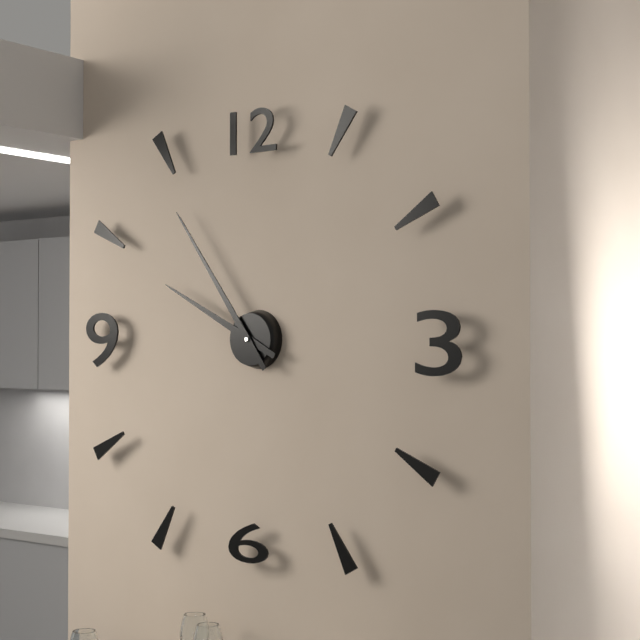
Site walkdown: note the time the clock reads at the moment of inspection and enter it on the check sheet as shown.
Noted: 9:54
